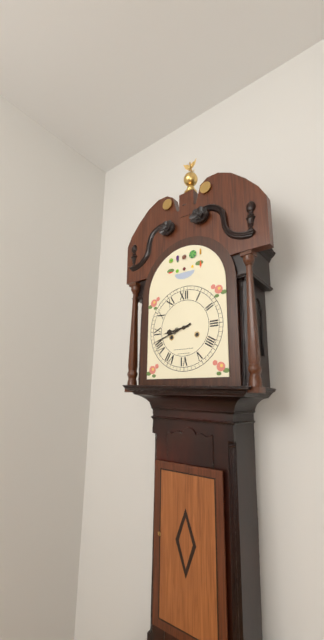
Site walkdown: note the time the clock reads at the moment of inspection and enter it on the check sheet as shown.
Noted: 8:42
